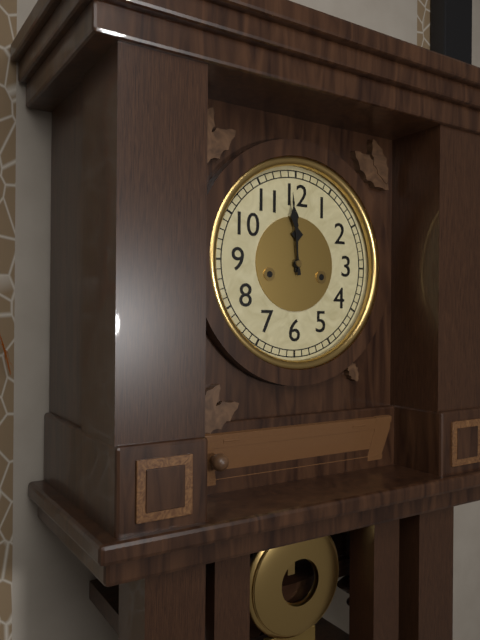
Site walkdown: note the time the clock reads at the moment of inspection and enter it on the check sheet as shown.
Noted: 11:59
